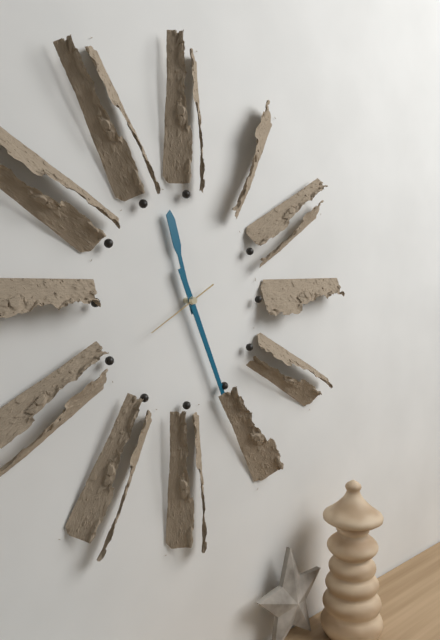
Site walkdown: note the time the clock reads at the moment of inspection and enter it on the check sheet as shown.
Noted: 11:26:40
